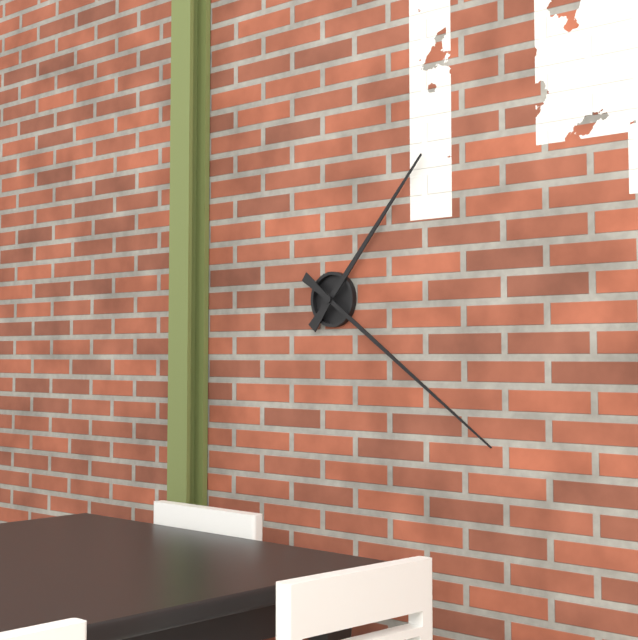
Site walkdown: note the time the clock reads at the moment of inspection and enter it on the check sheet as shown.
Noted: 1:21
